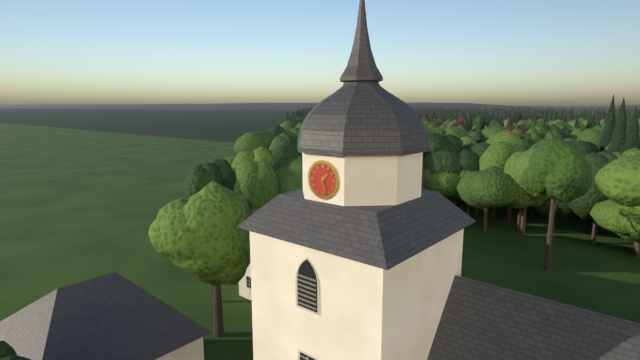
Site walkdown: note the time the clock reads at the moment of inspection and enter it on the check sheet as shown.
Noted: 1:27
